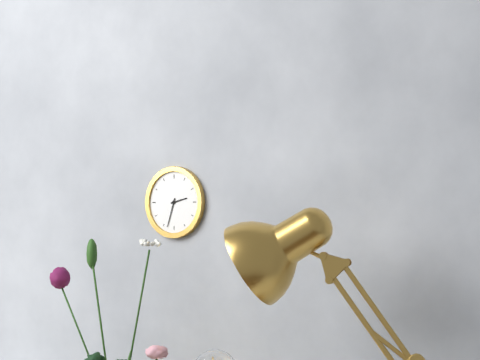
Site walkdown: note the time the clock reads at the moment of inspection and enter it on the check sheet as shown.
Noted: 2:33
